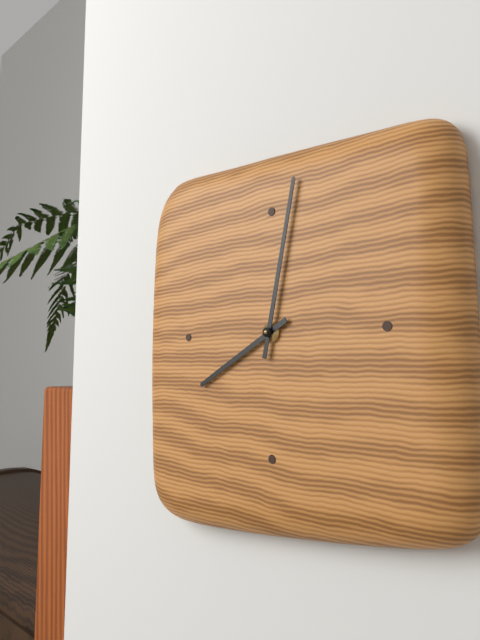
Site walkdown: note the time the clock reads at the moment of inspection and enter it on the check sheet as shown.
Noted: 8:02
